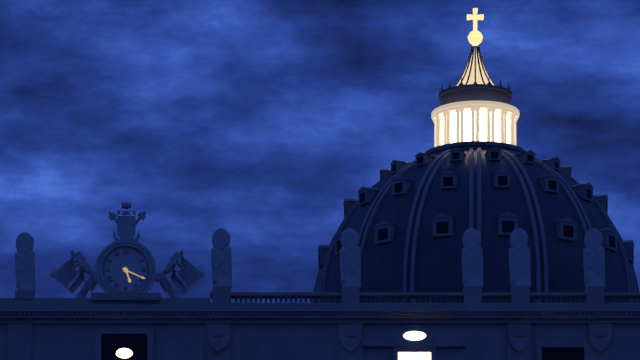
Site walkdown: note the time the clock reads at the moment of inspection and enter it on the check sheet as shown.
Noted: 5:19
